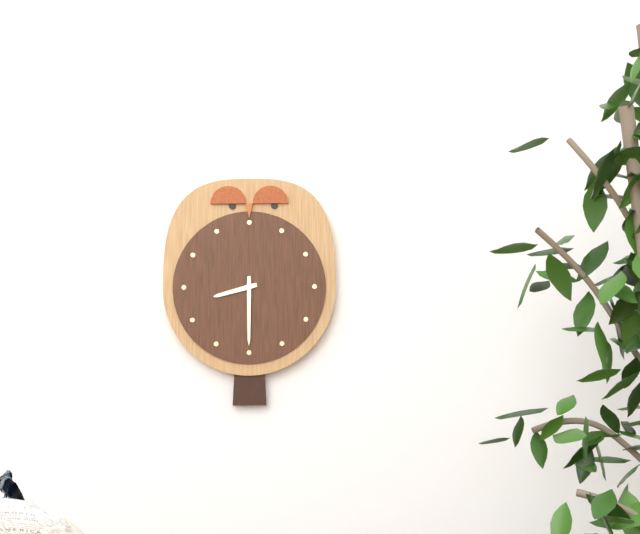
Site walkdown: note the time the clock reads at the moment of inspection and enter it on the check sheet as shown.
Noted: 8:30
